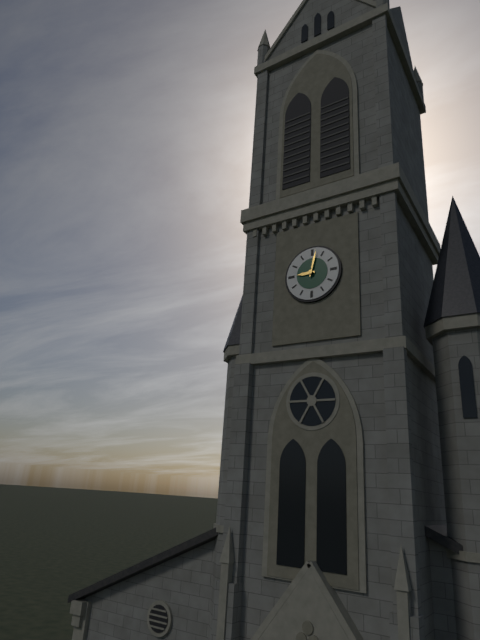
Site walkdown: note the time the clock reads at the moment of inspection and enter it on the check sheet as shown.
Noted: 9:02
